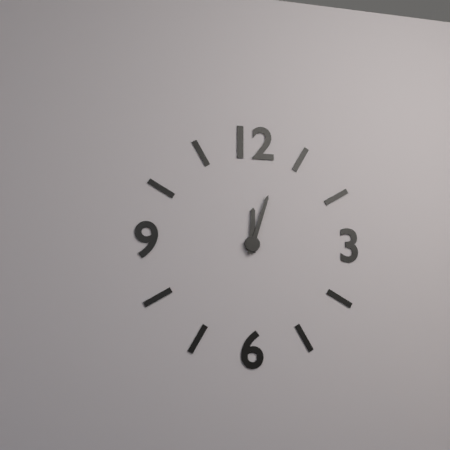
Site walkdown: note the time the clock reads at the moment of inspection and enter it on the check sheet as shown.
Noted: 12:03
